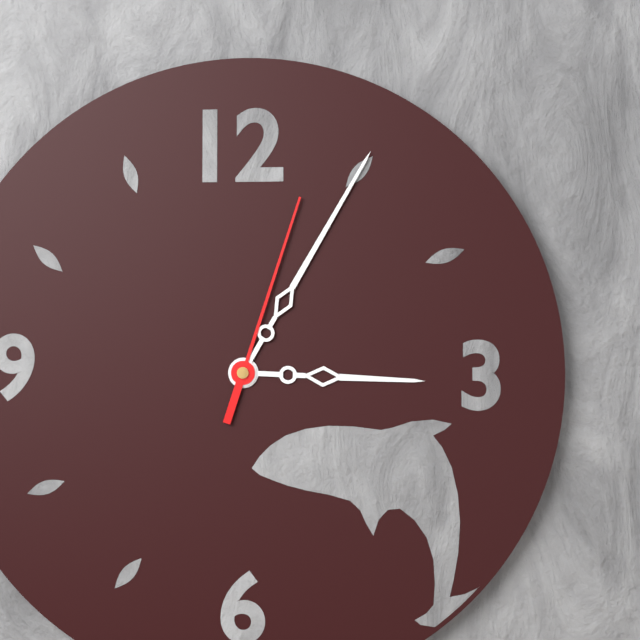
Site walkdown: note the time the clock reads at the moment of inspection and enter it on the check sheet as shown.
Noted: 3:05:03
